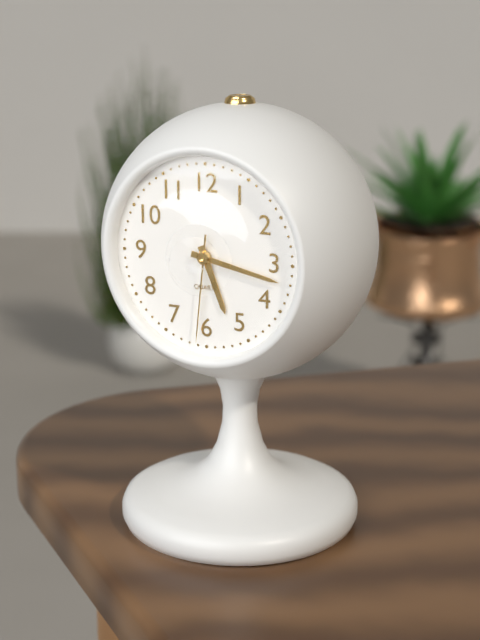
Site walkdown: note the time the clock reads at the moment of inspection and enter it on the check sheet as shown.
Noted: 5:17:31
